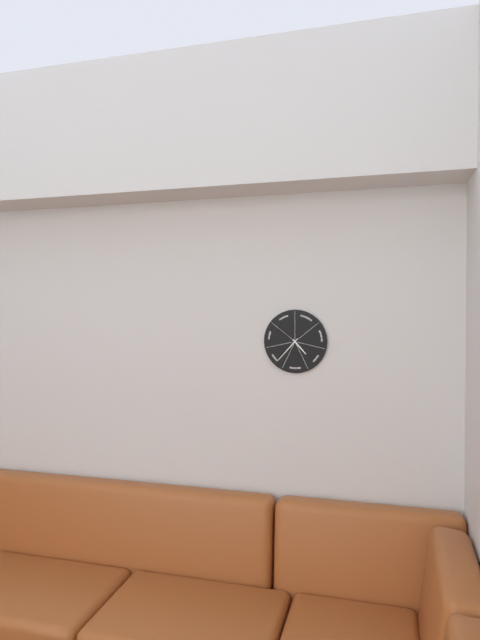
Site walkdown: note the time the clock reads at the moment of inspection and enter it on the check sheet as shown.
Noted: 4:37
